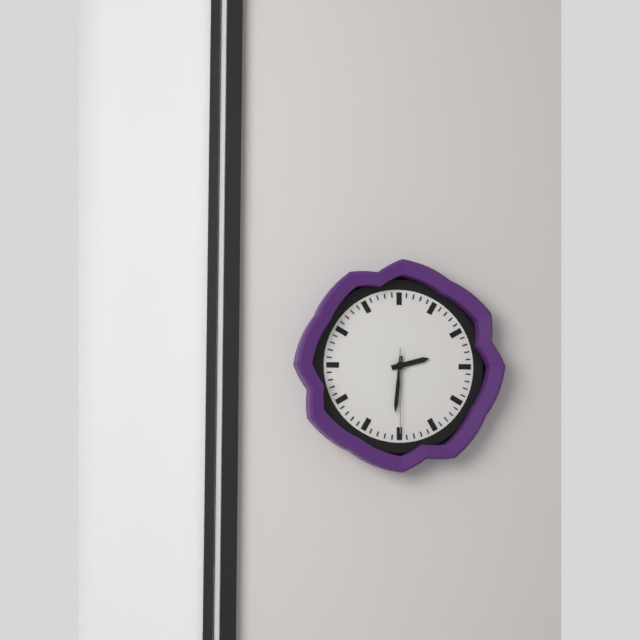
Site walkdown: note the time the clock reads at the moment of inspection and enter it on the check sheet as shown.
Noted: 2:31:30
